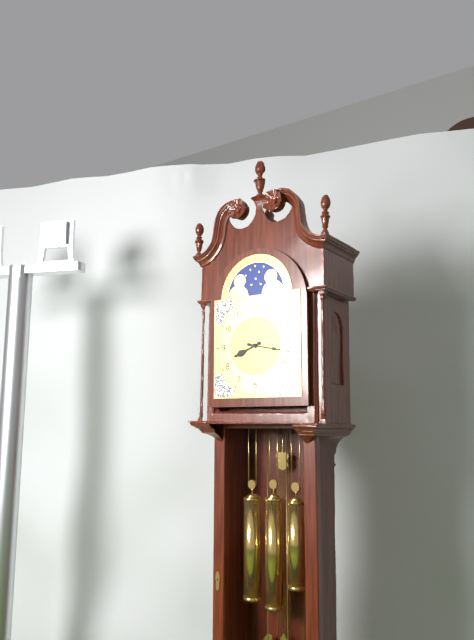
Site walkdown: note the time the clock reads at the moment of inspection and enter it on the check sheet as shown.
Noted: 8:17
